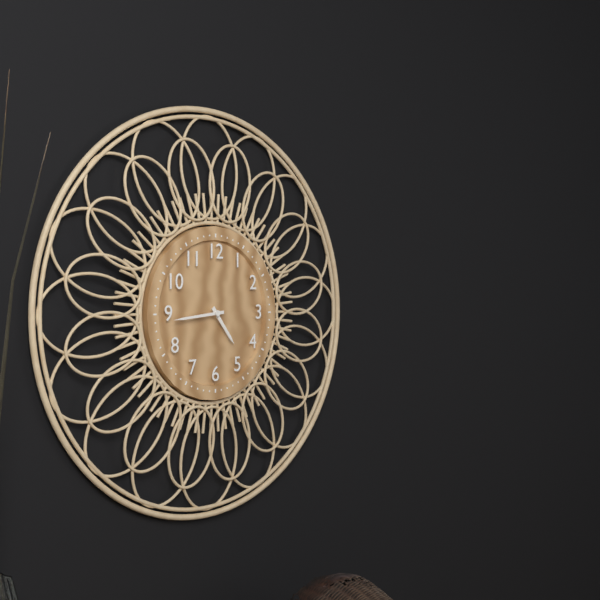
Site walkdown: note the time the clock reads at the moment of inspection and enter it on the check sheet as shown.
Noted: 4:44
